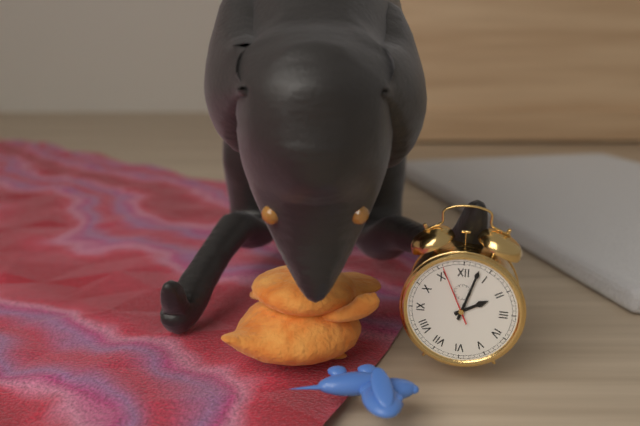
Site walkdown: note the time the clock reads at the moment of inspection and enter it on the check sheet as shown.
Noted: 2:03:56
